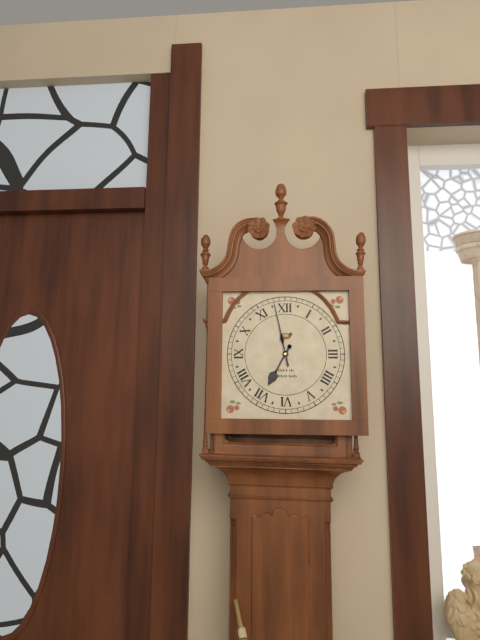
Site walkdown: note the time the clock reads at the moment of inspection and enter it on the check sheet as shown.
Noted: 6:58
